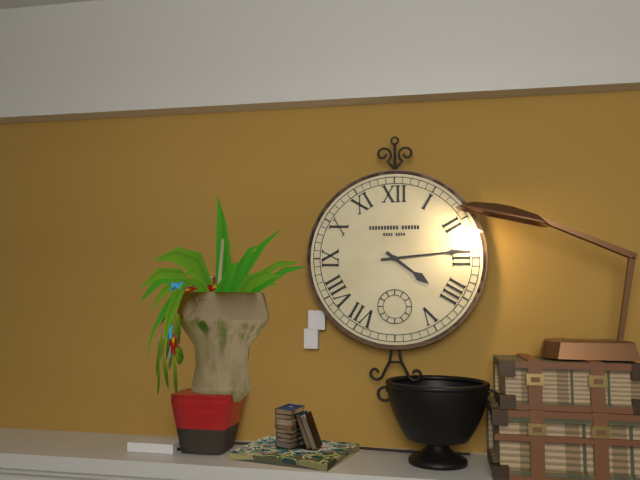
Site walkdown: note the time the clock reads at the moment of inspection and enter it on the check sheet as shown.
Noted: 4:14
